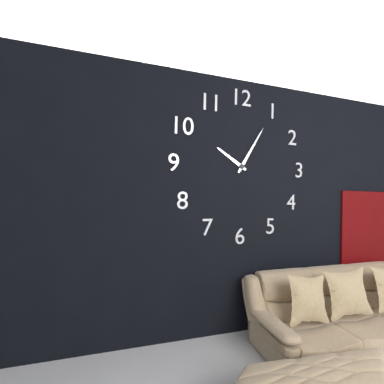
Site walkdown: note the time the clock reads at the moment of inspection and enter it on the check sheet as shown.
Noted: 10:05
